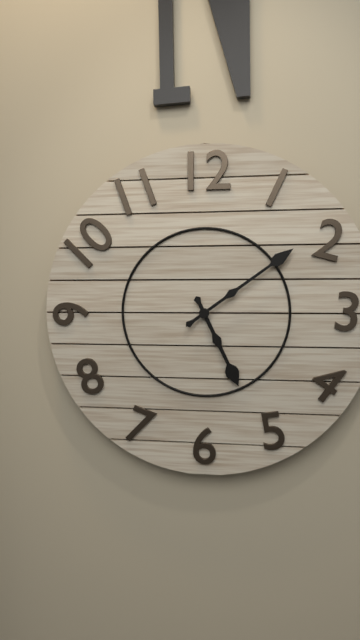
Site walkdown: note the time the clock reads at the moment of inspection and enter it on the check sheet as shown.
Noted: 5:09
